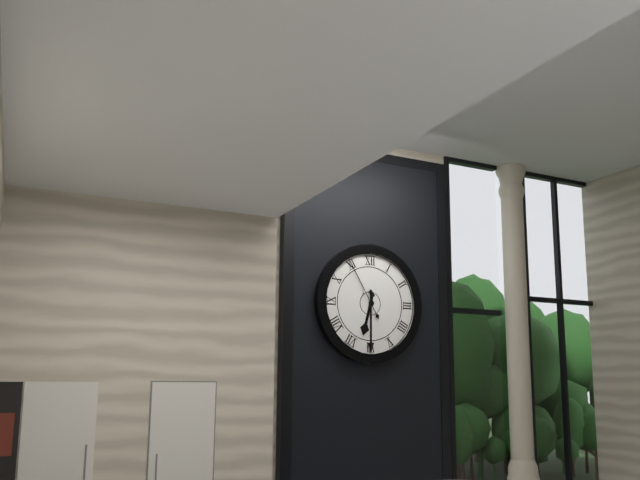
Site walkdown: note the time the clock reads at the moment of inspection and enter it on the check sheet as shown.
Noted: 6:30:55
